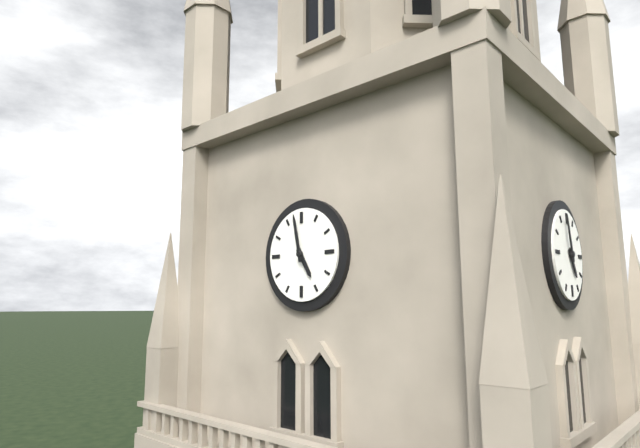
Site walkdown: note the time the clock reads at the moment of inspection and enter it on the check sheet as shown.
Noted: 4:58
